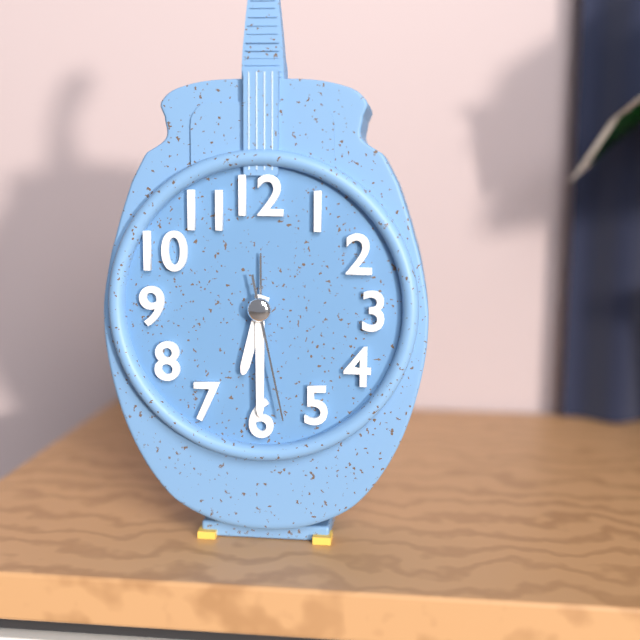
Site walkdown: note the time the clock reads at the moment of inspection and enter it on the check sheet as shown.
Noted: 6:30:28
